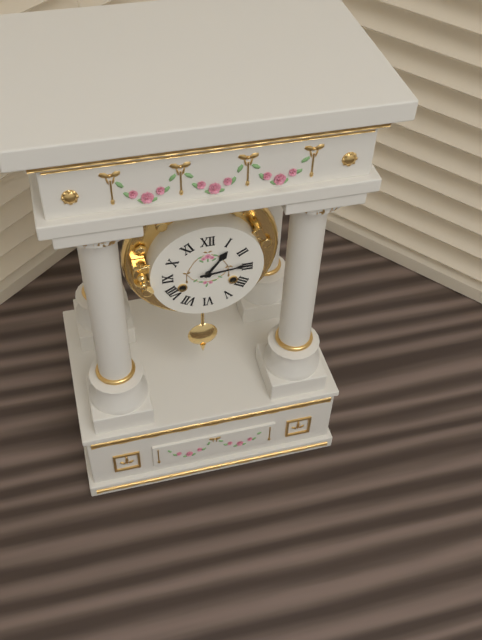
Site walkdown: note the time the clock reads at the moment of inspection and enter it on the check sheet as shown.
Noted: 1:14
